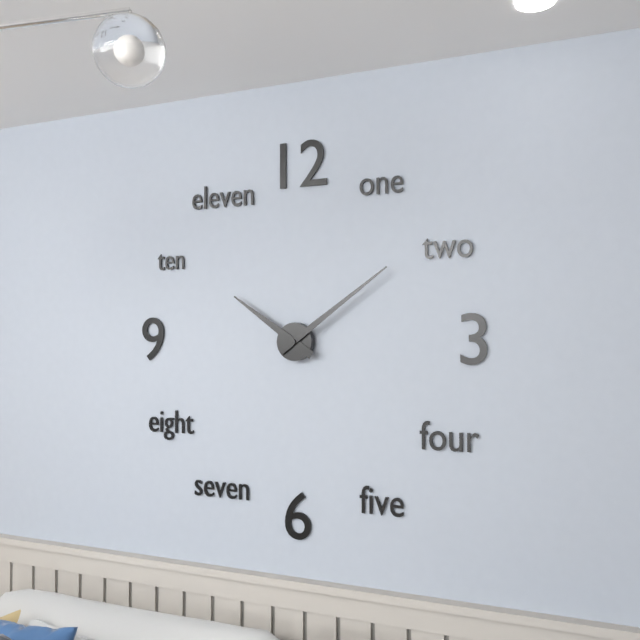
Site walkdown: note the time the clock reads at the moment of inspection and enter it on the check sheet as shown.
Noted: 10:09
